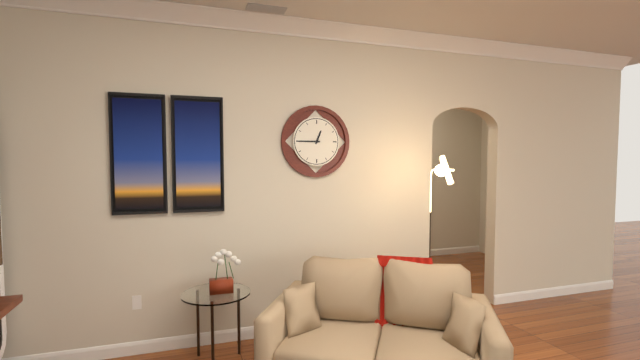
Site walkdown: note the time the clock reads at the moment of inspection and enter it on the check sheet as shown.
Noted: 12:45
